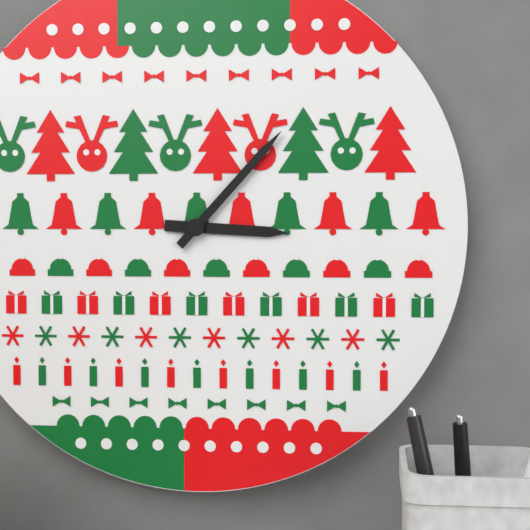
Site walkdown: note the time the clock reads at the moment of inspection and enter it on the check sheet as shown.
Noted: 3:07
